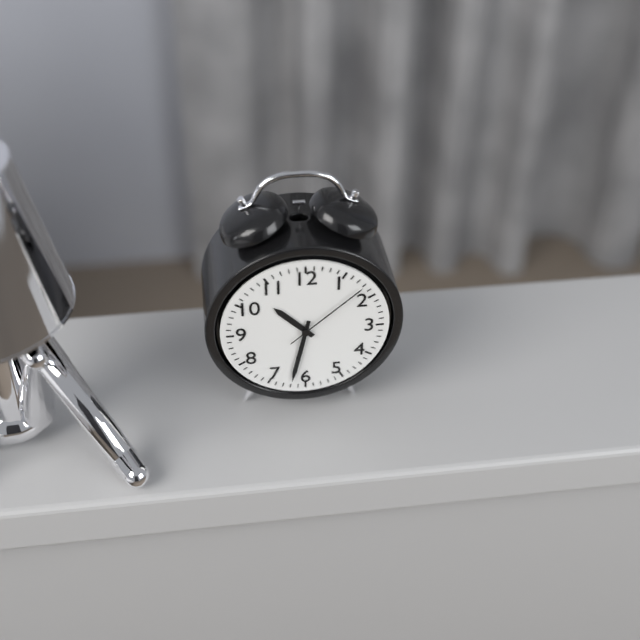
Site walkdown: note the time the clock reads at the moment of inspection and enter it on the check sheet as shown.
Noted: 10:32:08
